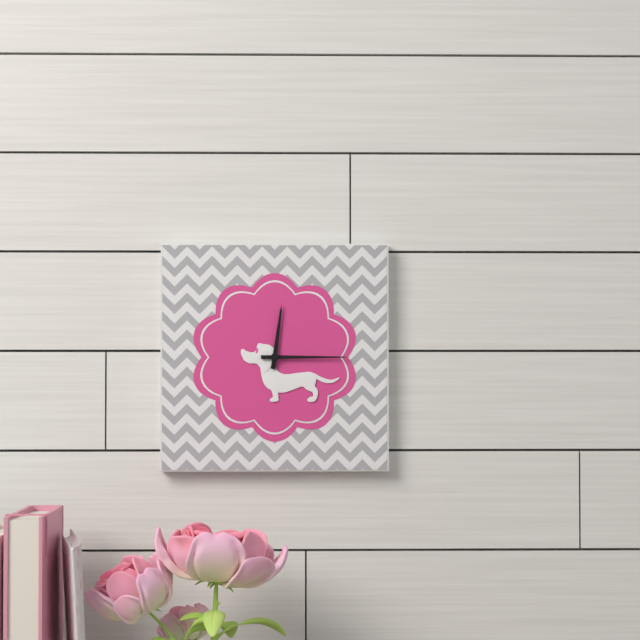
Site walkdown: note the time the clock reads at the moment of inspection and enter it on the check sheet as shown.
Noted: 12:15
